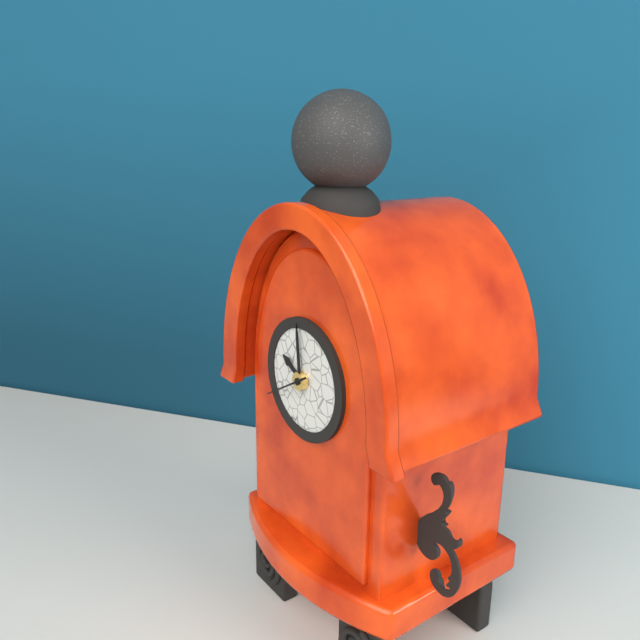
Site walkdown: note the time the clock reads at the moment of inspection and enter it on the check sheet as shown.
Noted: 9:59
